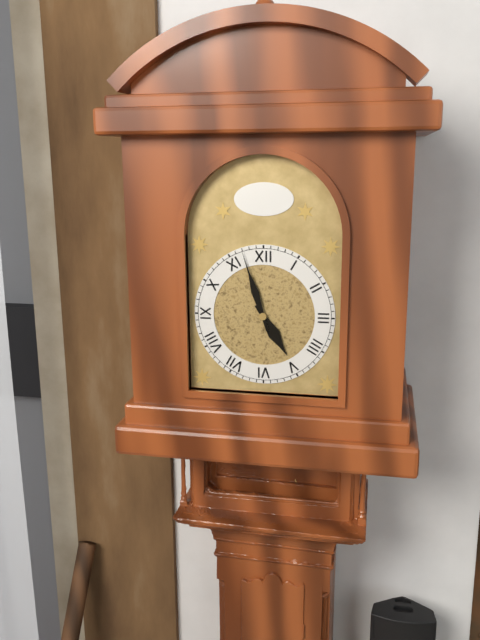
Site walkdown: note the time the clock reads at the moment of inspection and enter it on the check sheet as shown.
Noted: 4:57
